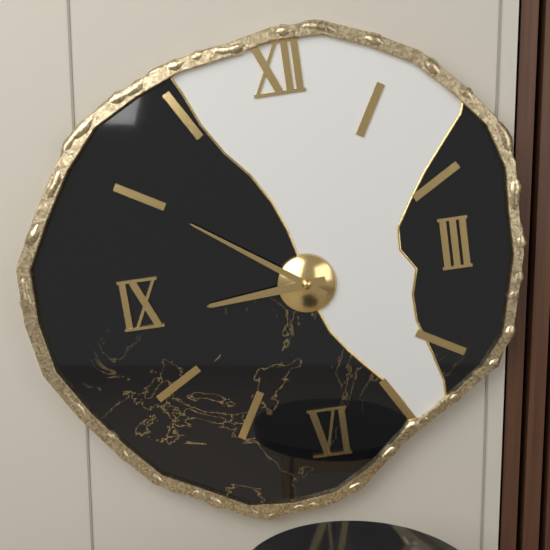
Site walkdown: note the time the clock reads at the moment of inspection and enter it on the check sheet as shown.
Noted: 8:51
